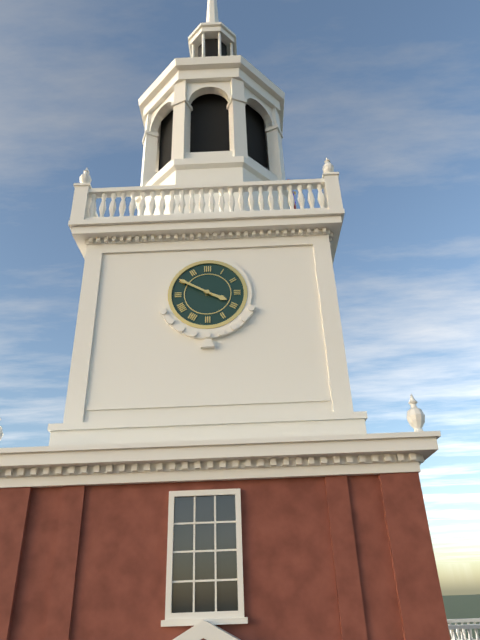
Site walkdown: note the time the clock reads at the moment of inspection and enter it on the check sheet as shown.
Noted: 3:50
